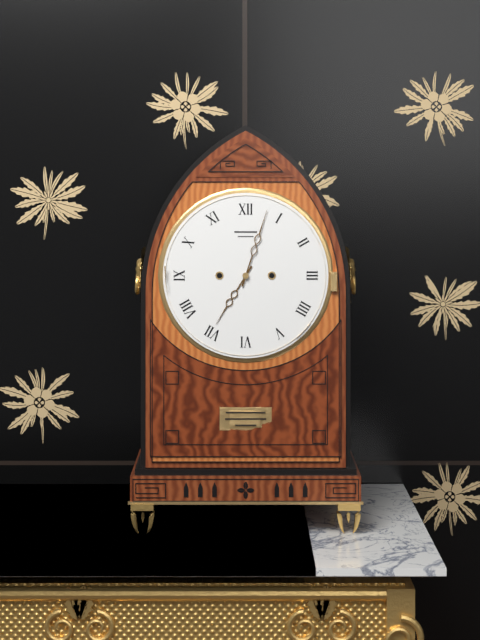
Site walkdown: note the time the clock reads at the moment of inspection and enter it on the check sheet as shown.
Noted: 7:03
